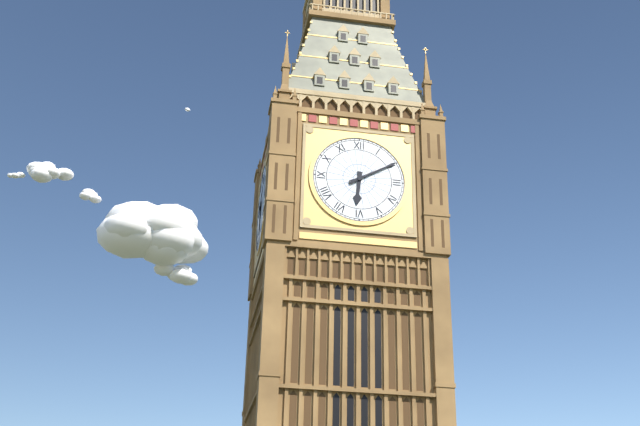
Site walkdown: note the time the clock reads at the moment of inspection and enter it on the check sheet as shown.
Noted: 6:10
